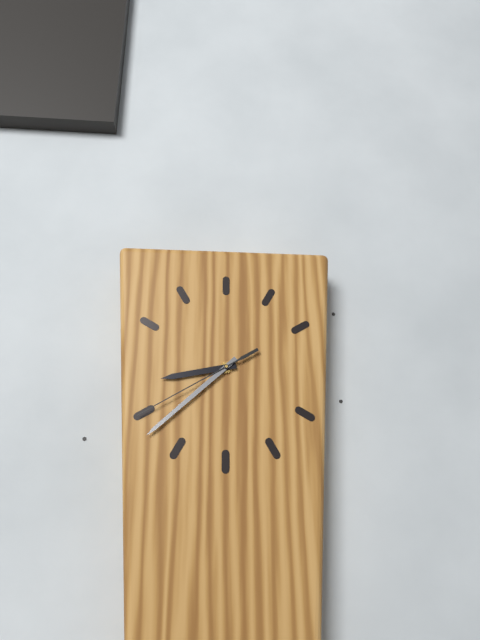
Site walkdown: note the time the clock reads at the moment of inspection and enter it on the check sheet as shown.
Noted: 8:38:40
